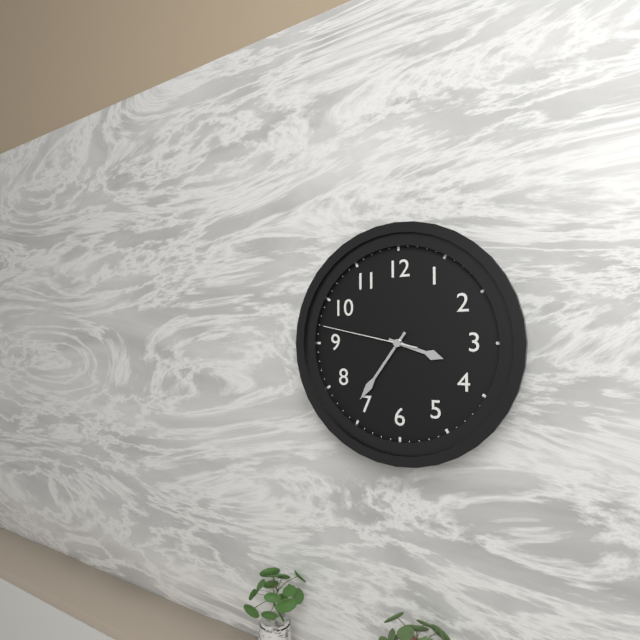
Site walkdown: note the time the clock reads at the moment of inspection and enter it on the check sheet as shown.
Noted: 3:36:47
